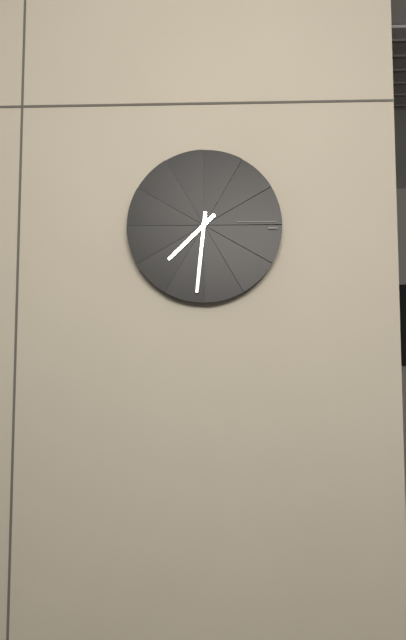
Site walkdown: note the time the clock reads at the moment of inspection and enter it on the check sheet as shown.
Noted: 7:31
